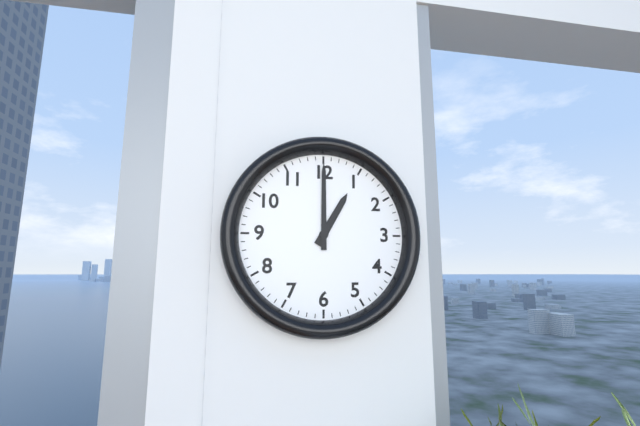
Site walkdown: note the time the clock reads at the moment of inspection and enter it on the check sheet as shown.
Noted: 1:00
